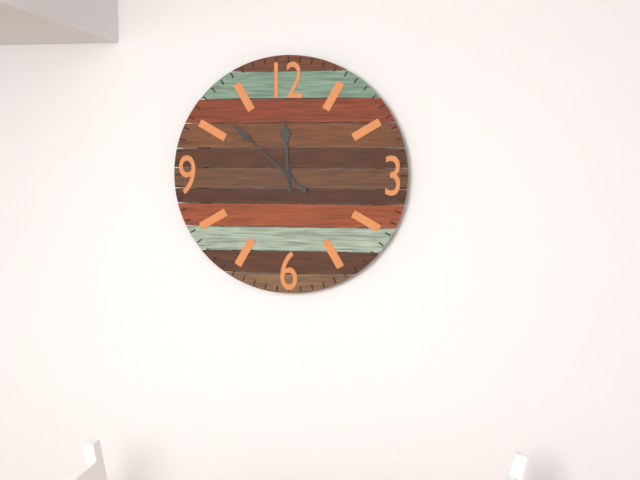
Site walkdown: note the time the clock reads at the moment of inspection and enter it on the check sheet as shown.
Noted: 11:52
